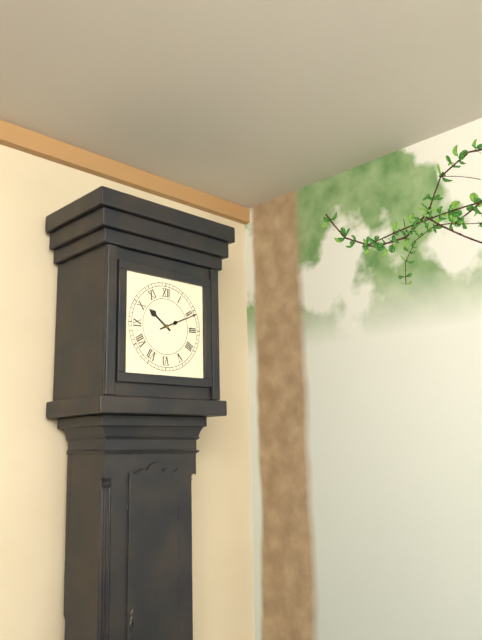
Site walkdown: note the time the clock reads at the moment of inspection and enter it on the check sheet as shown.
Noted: 10:11
